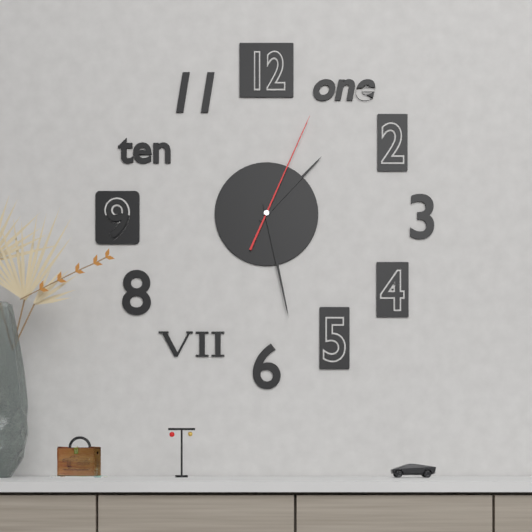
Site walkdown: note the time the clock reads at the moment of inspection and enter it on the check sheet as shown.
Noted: 1:28:04
